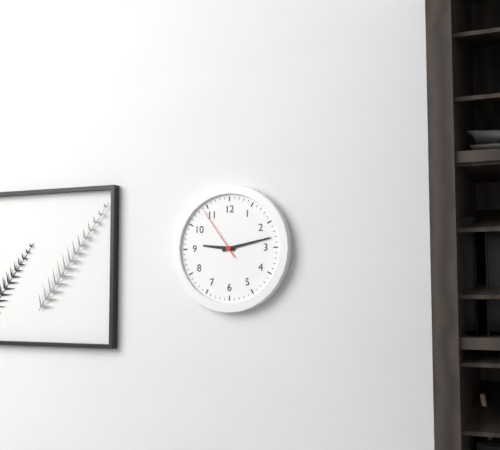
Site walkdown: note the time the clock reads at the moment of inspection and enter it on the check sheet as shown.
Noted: 9:13:54
